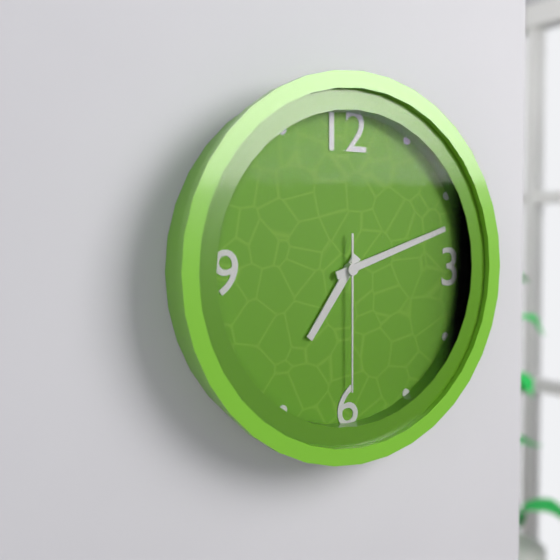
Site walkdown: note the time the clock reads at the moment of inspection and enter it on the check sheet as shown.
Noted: 7:12:30
